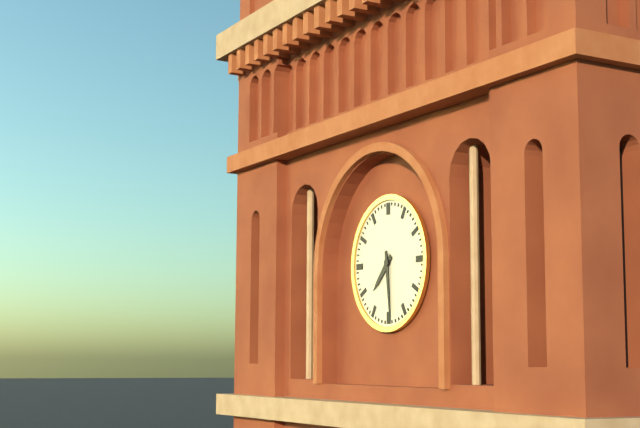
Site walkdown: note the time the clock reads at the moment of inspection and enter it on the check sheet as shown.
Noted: 7:29
